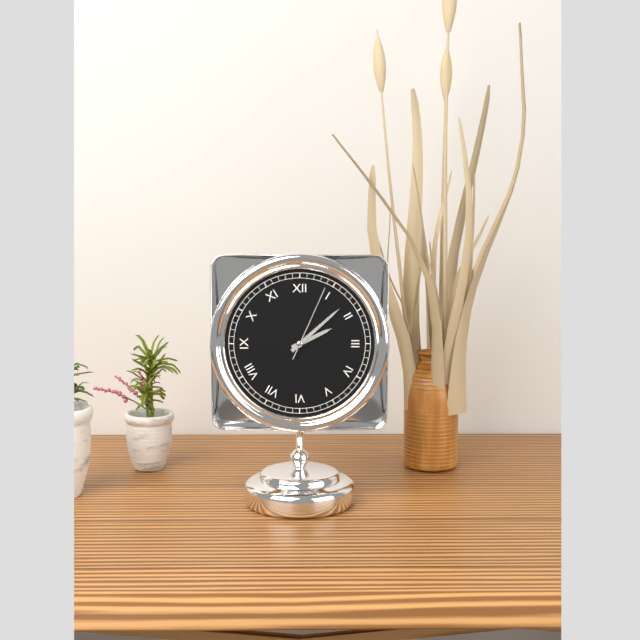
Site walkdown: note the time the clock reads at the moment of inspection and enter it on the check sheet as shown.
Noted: 2:08:04
